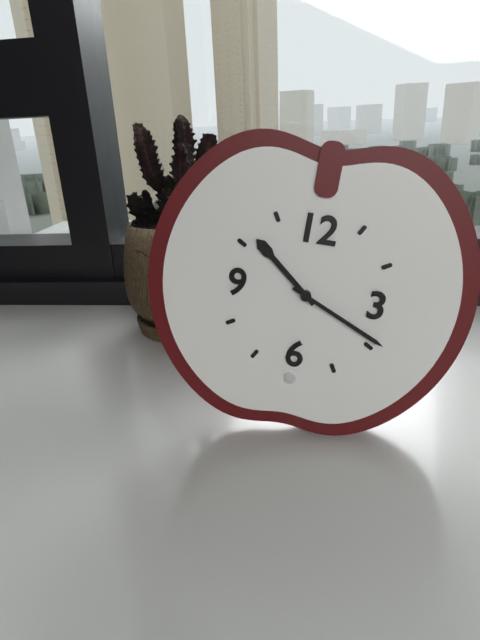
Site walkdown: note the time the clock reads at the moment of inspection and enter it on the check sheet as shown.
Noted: 10:19
